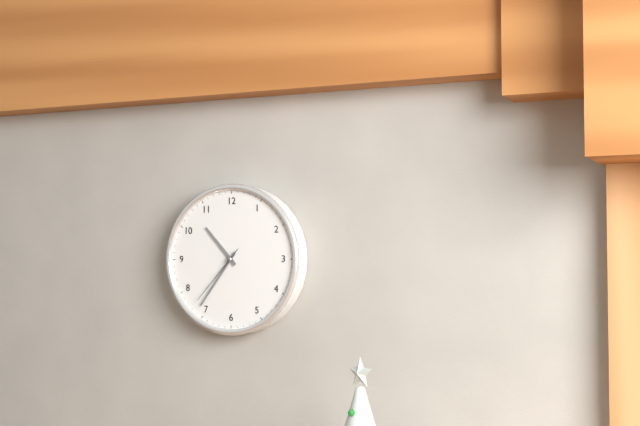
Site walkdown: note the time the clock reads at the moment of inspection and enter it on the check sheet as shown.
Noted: 10:36:37
